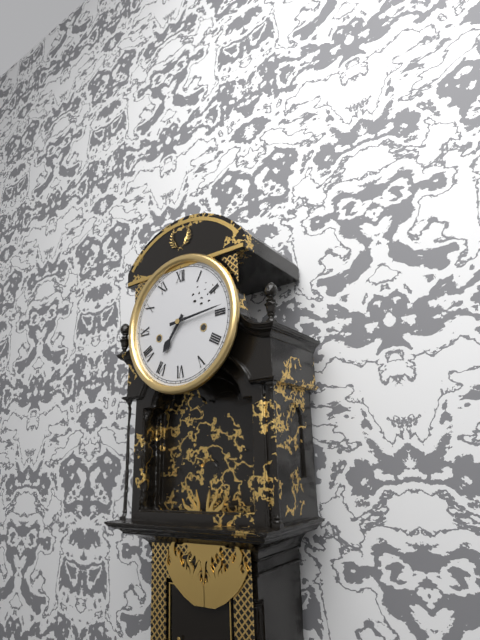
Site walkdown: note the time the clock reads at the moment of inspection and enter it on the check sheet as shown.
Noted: 7:14
